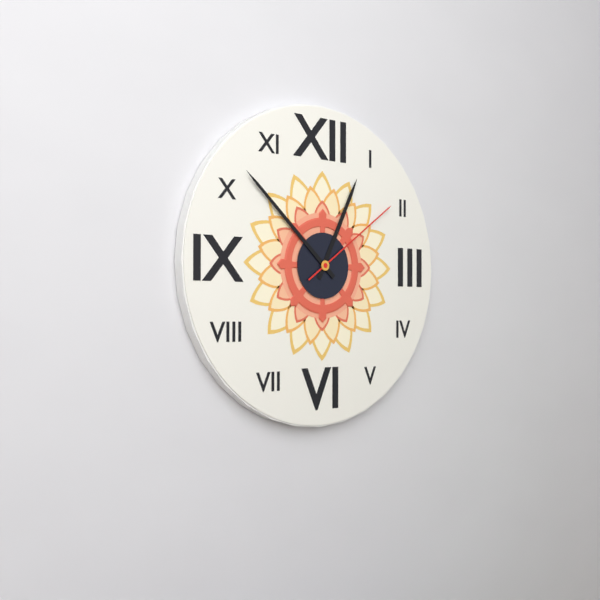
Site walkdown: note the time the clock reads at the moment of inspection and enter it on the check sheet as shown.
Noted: 12:52:09
